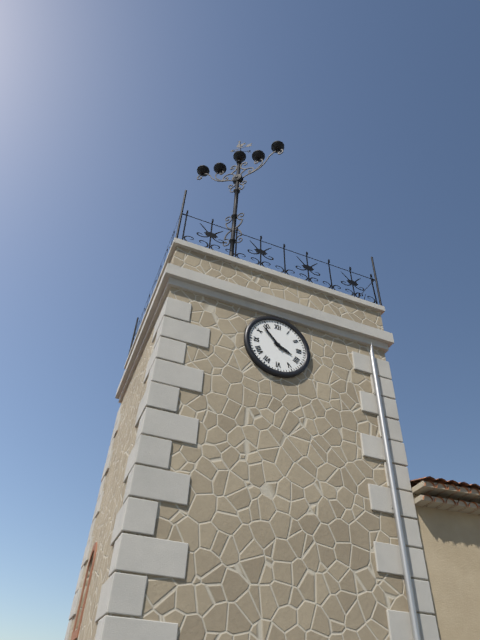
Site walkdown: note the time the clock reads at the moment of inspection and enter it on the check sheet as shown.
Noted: 3:53
